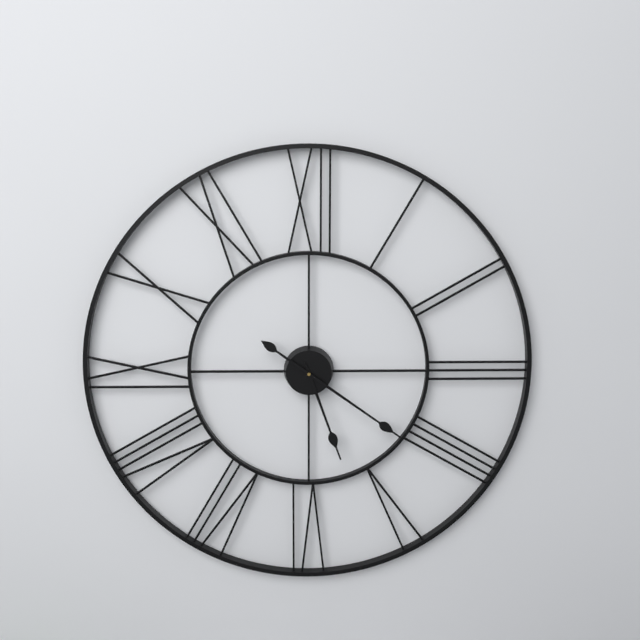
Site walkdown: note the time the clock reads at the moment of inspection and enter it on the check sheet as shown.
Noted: 5:21
